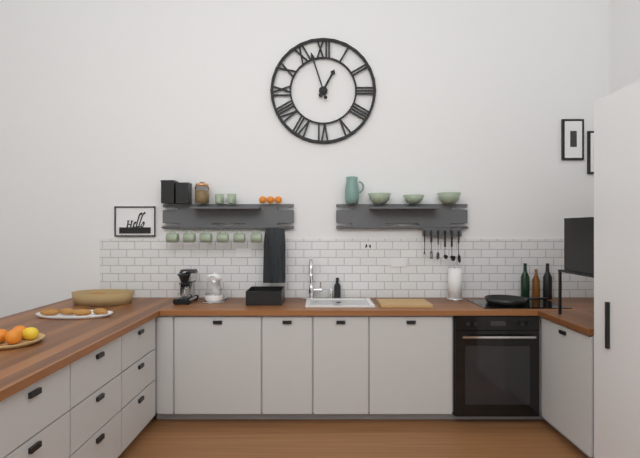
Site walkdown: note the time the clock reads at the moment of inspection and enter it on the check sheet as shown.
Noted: 12:57
